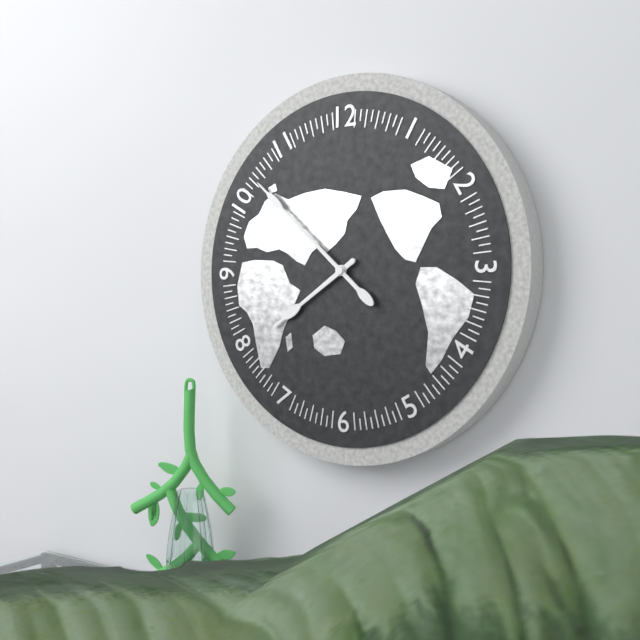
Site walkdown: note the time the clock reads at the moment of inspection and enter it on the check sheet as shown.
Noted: 7:52
